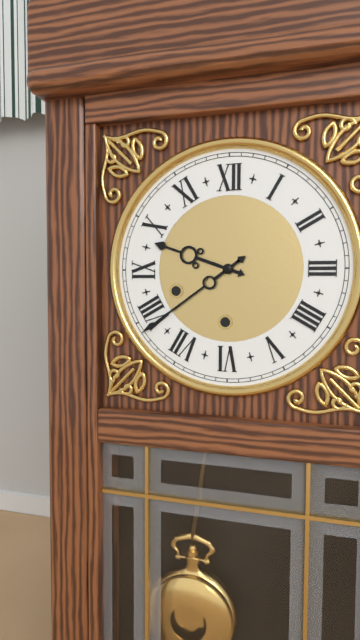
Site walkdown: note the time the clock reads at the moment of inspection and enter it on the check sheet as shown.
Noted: 9:39
